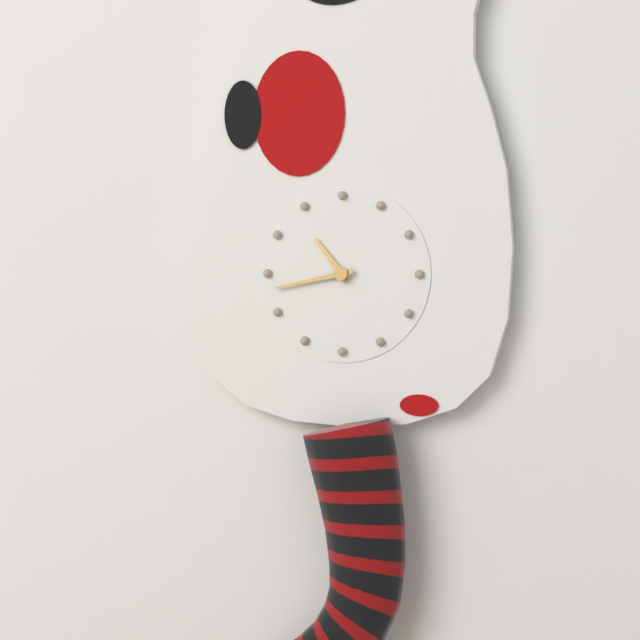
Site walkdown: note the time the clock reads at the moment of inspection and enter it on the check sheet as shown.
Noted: 10:43
